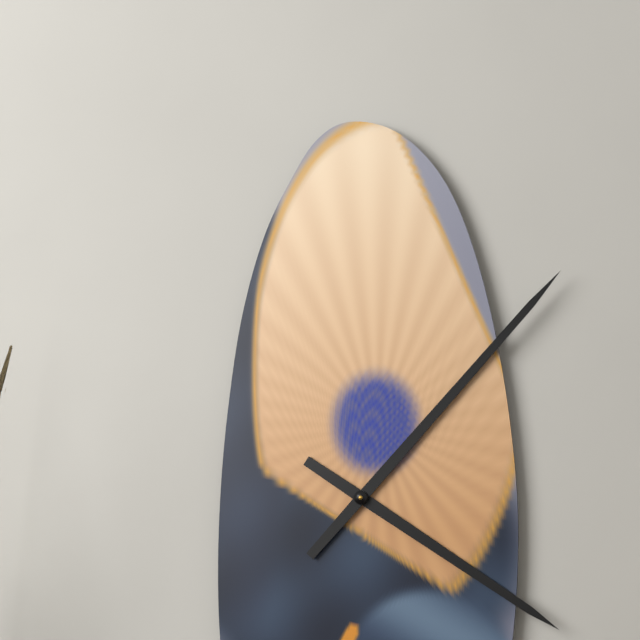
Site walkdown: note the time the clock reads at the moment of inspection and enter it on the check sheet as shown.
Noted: 4:07
